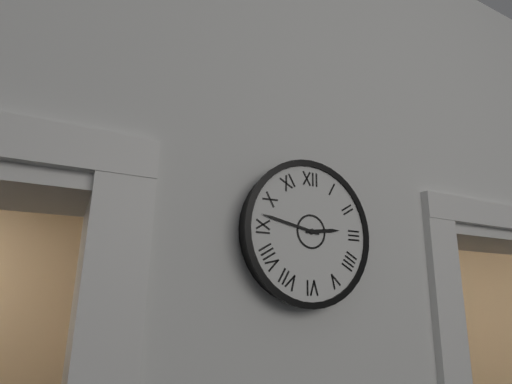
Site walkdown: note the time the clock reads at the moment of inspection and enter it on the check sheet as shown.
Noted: 2:47
